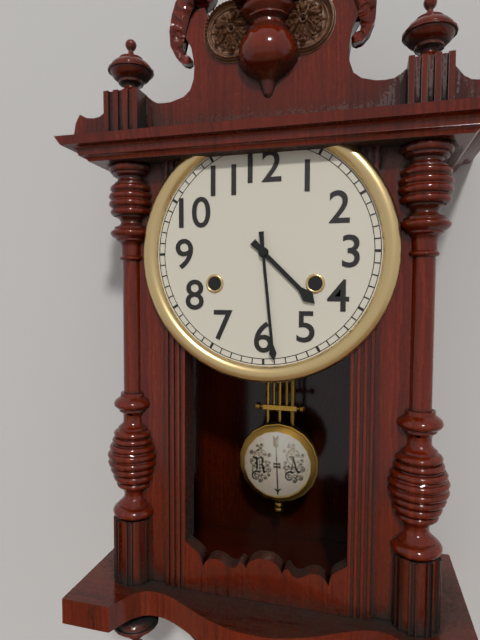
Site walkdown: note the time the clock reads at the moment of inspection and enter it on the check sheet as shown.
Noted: 4:29
